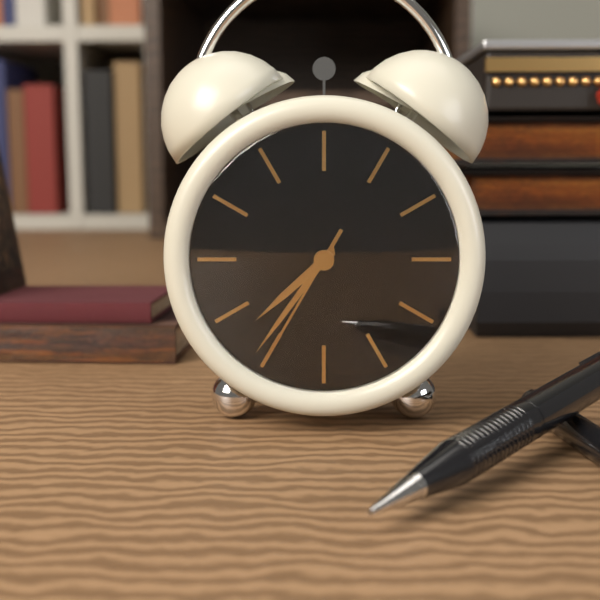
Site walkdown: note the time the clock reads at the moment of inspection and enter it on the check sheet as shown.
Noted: 7:36:35
